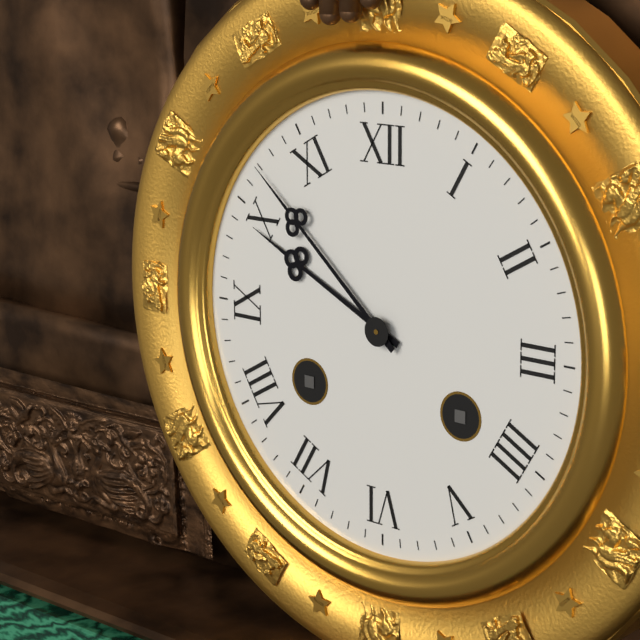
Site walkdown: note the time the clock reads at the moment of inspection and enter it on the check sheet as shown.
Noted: 9:52
